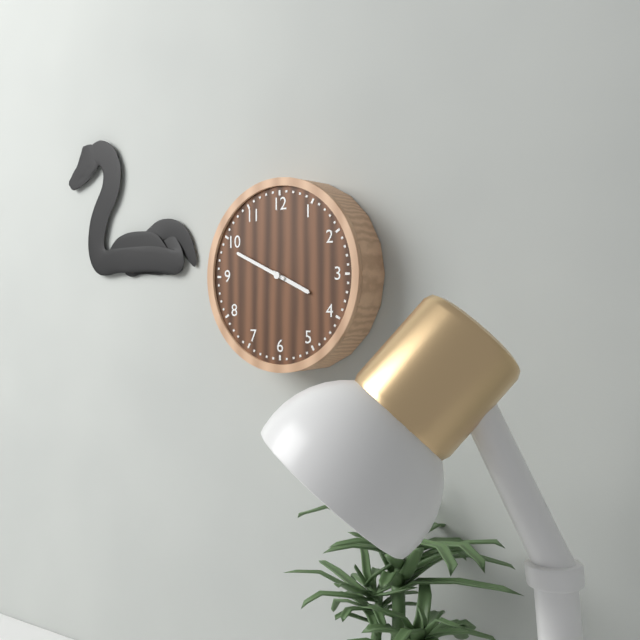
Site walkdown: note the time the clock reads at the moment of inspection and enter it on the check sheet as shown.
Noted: 3:49
